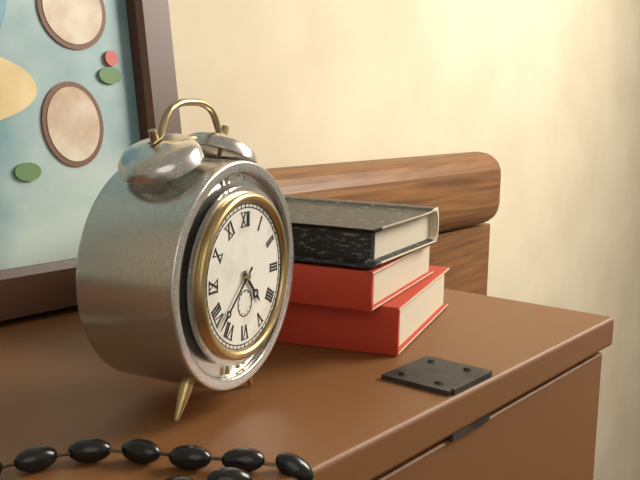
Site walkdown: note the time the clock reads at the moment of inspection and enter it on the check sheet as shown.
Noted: 4:38
